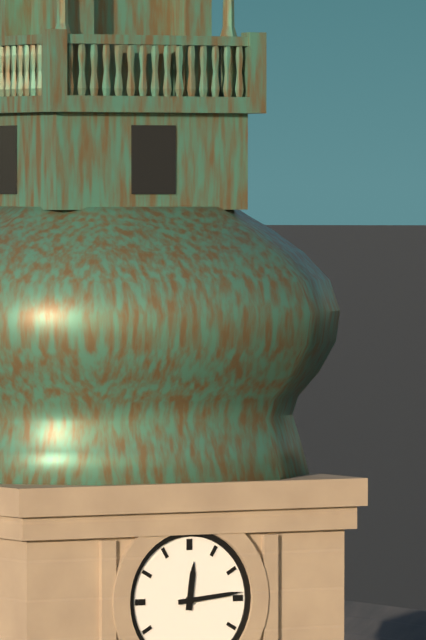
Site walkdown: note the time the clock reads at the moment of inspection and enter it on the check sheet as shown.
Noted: 12:14
